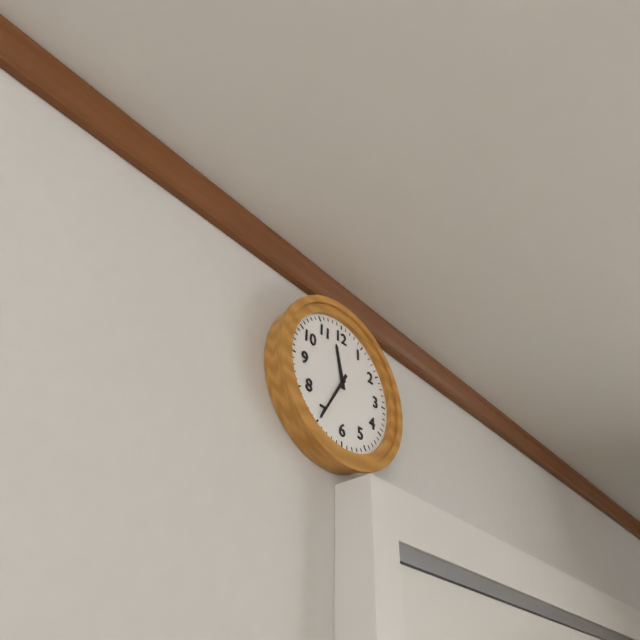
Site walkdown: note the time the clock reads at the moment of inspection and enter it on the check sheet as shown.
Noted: 11:35
